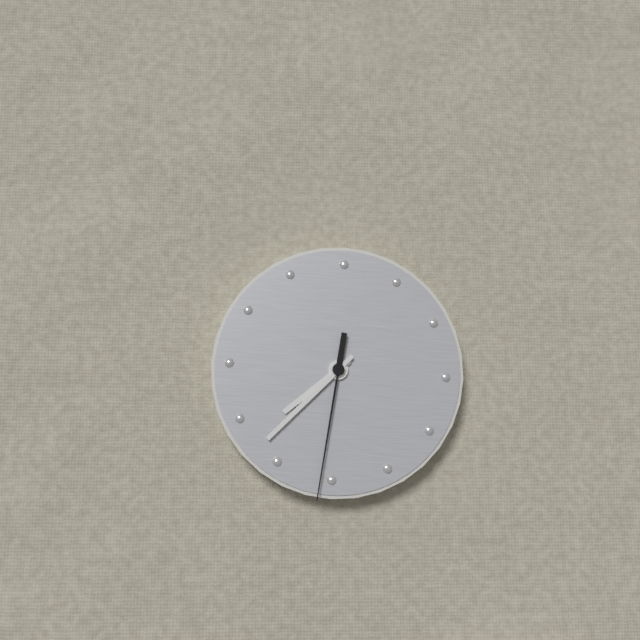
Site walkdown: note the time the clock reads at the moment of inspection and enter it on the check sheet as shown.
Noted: 7:37:31
